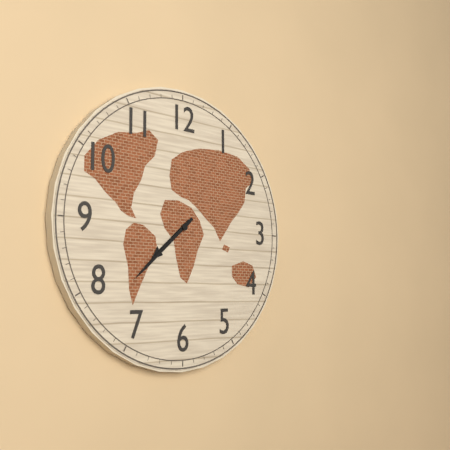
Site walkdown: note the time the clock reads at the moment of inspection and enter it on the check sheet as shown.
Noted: 7:38
